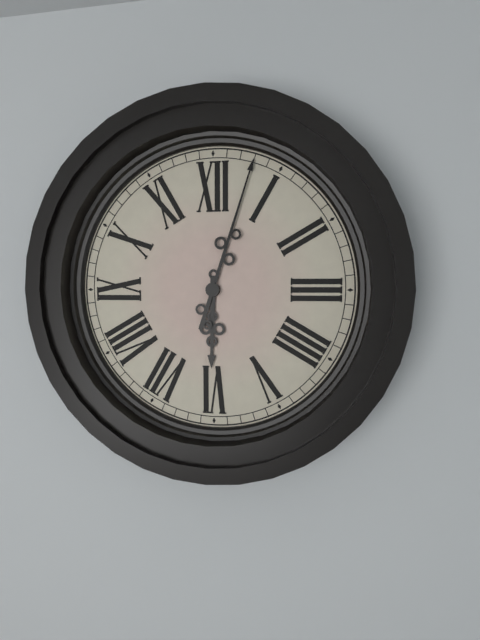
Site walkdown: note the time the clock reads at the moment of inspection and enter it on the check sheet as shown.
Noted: 6:03
